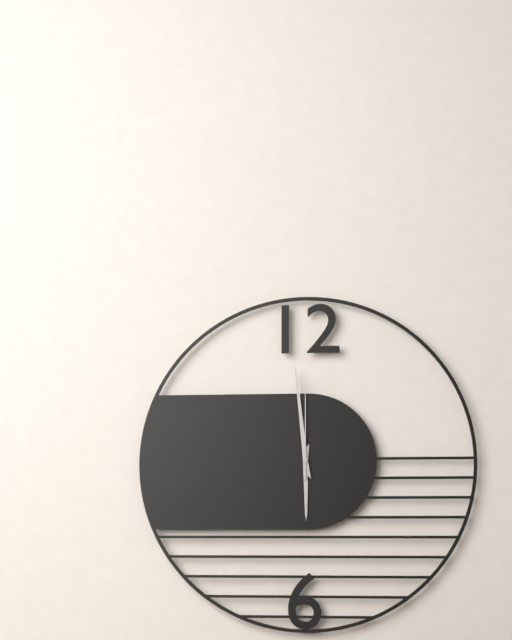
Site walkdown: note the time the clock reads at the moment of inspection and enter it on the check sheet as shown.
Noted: 5:59:00
